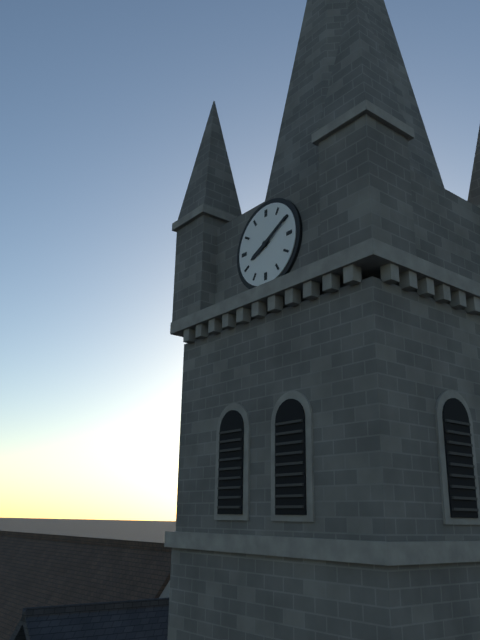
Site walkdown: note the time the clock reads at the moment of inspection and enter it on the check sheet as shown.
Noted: 8:10
